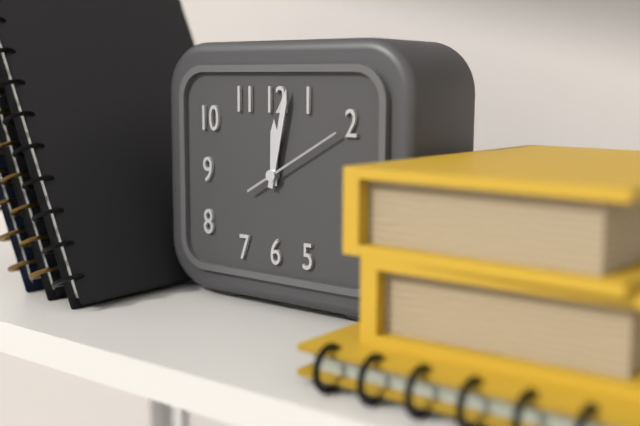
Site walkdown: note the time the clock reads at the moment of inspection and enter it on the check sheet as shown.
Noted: 12:02:10
